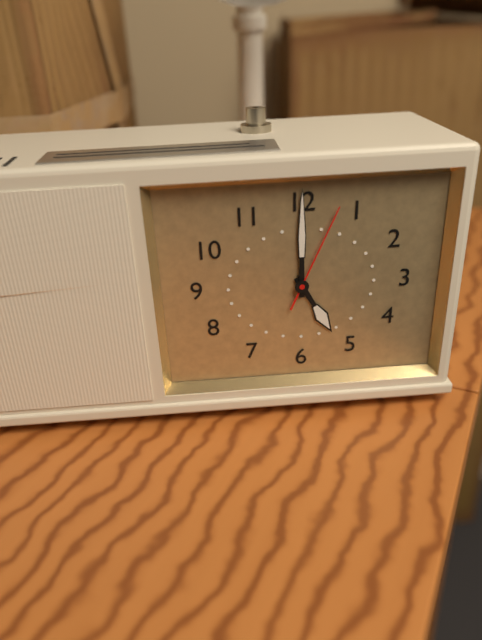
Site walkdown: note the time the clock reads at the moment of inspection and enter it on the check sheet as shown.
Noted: 5:00:04
